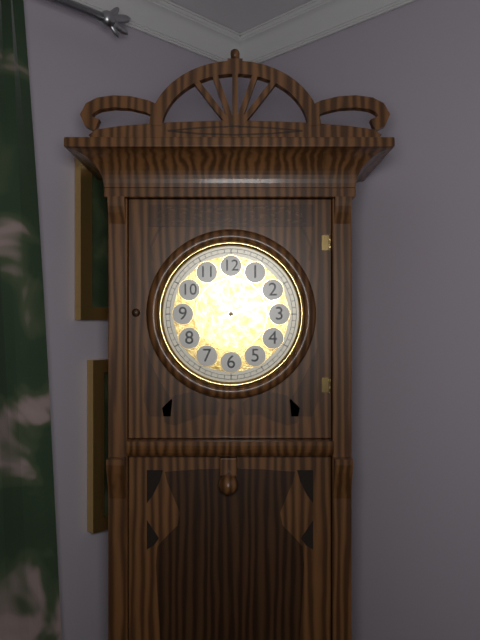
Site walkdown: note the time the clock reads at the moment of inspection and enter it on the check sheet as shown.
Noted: 2:12
